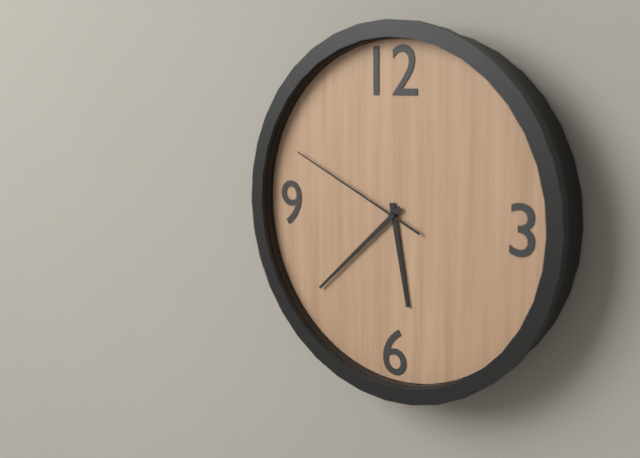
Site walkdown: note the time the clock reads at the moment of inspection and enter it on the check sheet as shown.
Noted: 5:38:49
